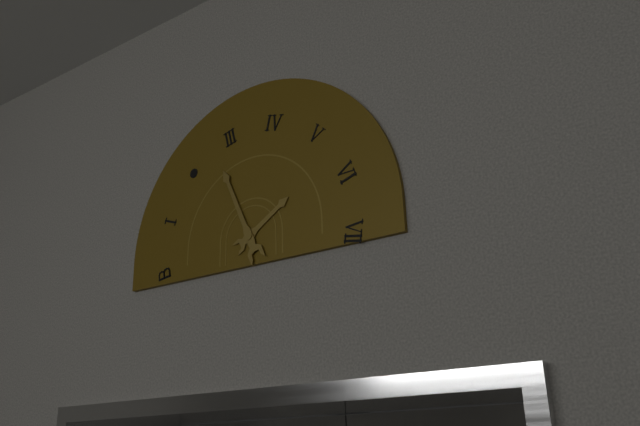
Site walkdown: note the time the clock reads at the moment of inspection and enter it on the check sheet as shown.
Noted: 1:56
